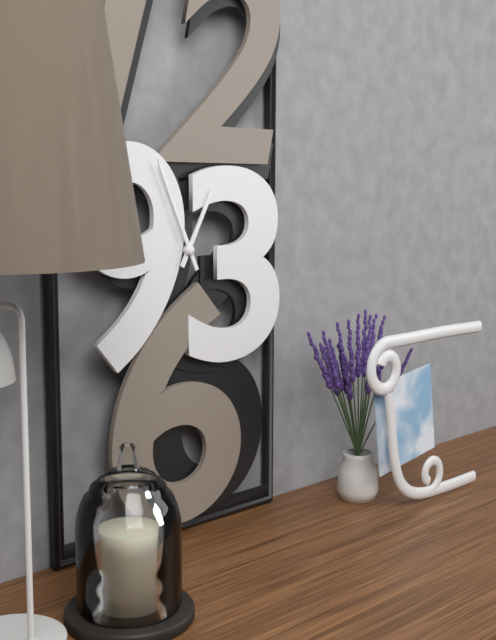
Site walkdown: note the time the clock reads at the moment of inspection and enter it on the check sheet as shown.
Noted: 12:56
